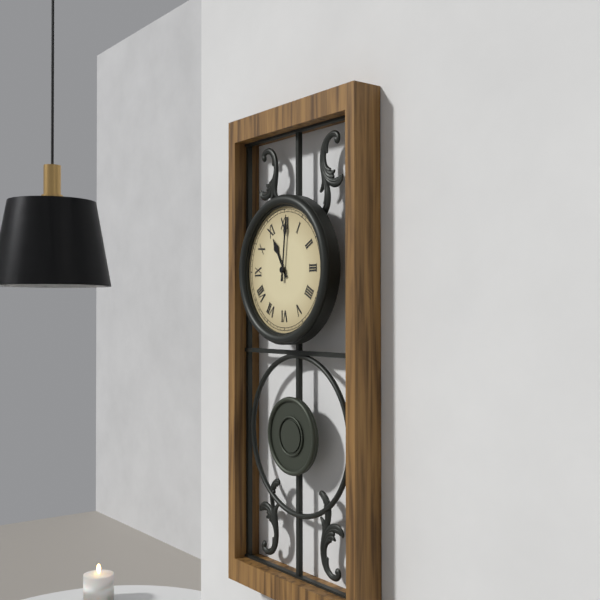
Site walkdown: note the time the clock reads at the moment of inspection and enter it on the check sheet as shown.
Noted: 11:01
